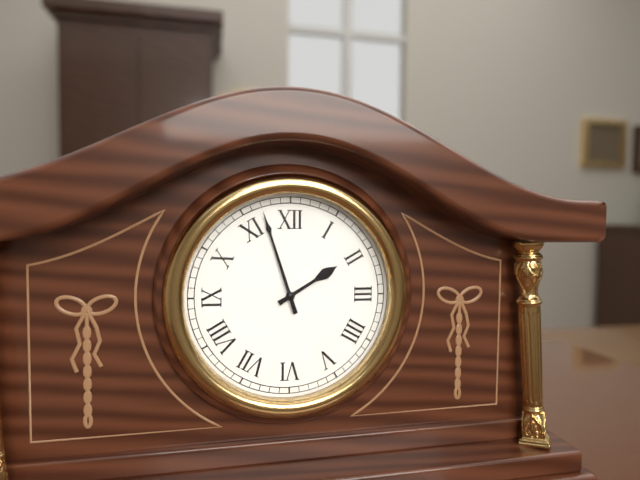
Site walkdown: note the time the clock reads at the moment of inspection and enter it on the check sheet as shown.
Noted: 1:57
